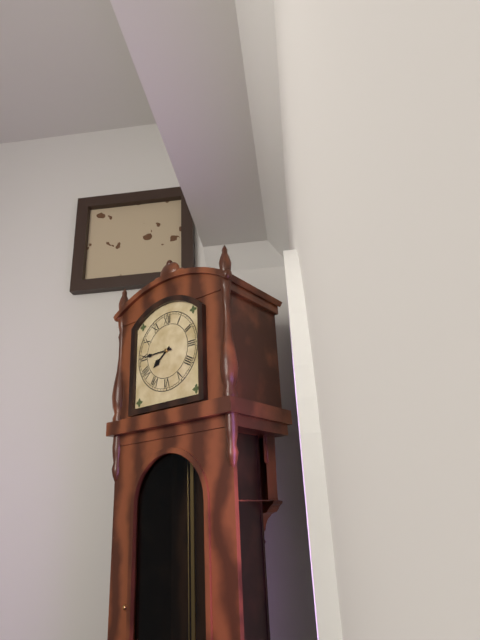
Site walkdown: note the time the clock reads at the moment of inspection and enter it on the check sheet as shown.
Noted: 7:45
